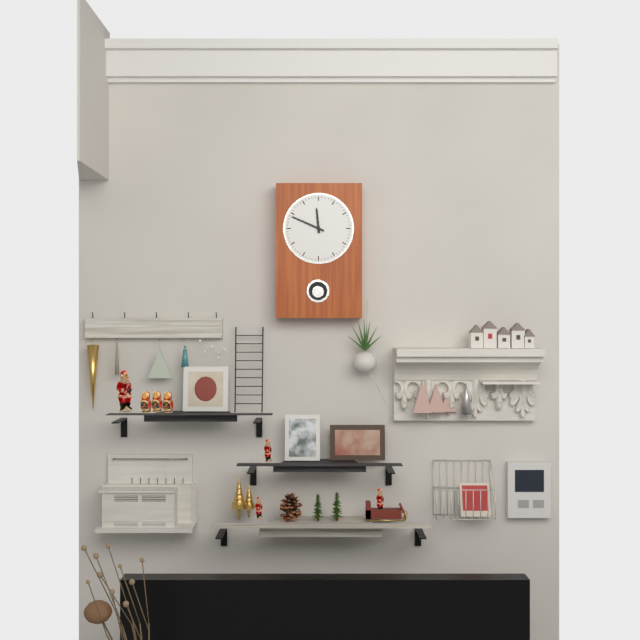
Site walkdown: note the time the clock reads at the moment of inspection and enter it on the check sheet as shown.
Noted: 11:49
